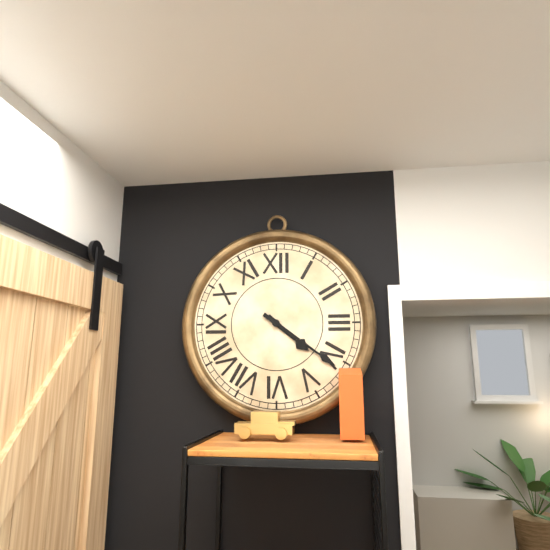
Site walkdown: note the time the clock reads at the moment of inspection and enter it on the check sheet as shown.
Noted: 4:21
